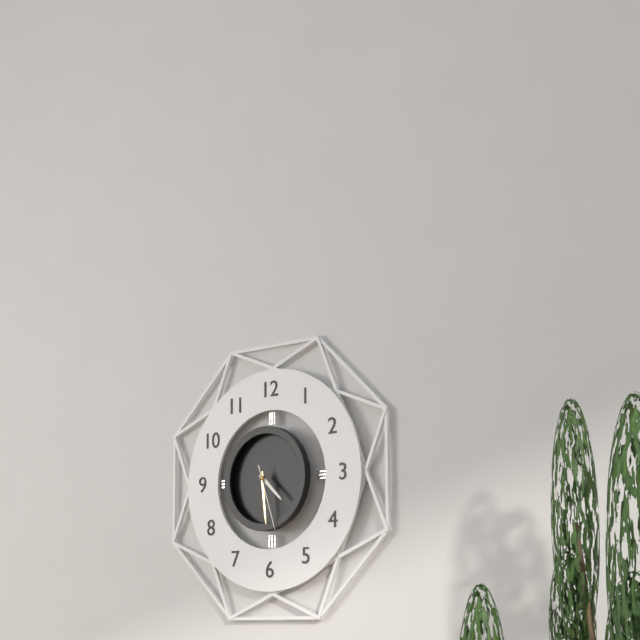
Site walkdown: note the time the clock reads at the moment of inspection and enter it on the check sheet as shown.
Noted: 4:29:27
